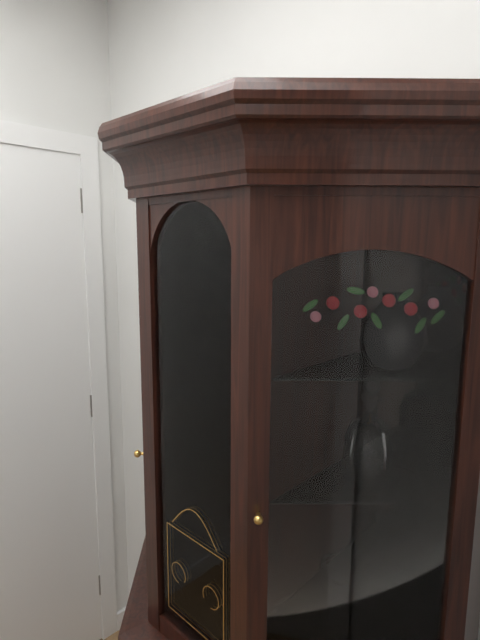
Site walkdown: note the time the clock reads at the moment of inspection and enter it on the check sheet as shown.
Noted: 12:55
